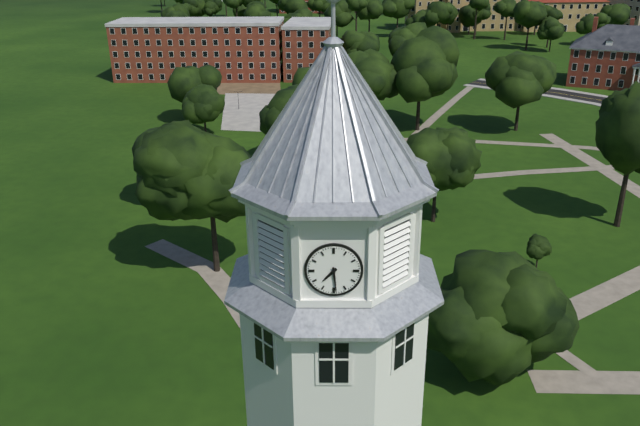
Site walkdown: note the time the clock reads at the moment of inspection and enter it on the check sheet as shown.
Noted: 7:29
